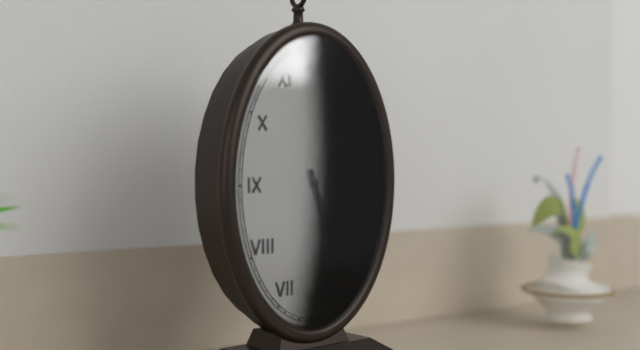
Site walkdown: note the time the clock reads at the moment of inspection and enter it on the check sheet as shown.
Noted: 5:26
